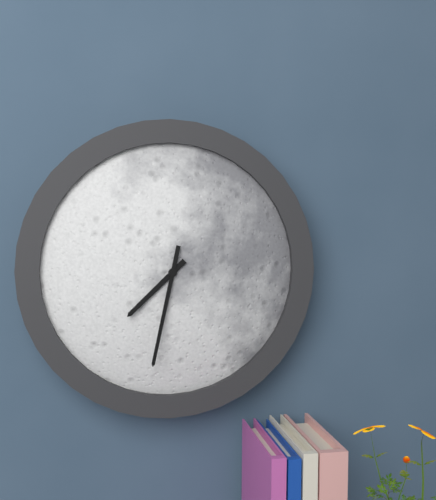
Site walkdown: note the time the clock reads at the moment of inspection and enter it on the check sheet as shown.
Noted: 7:32
